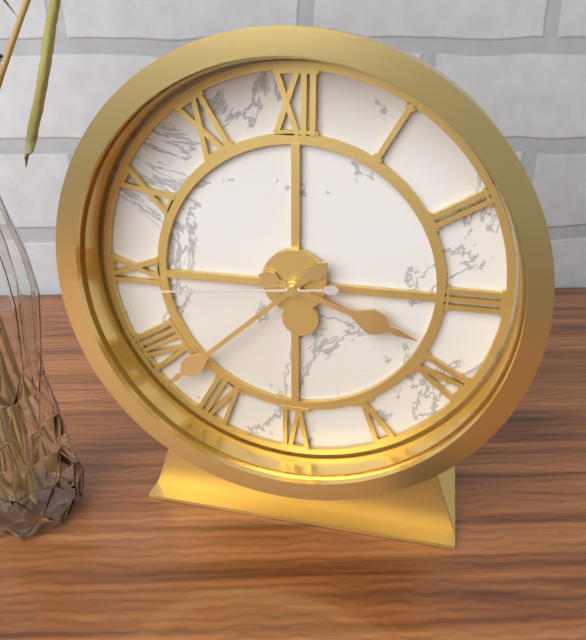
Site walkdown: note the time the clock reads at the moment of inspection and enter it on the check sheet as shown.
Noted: 3:38:44
